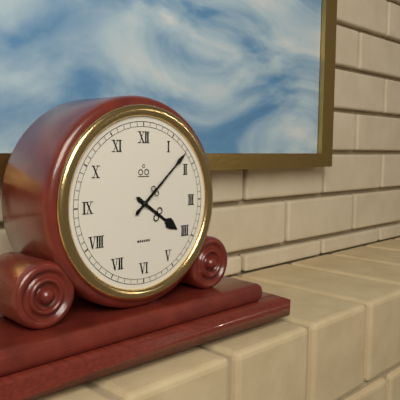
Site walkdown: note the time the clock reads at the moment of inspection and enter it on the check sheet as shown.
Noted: 4:08
